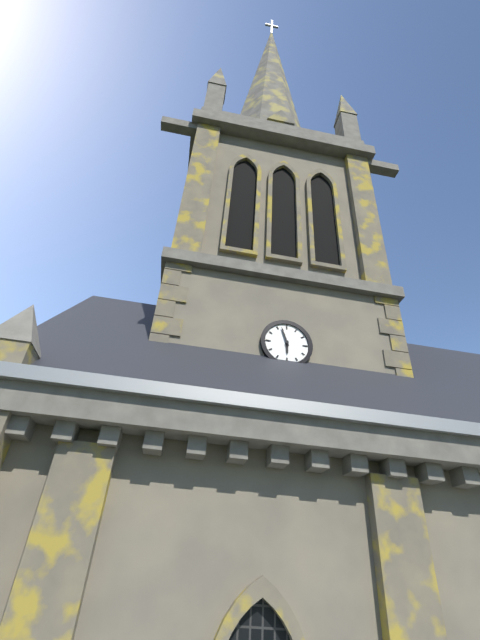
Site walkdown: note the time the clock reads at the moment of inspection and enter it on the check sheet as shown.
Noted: 5:57
